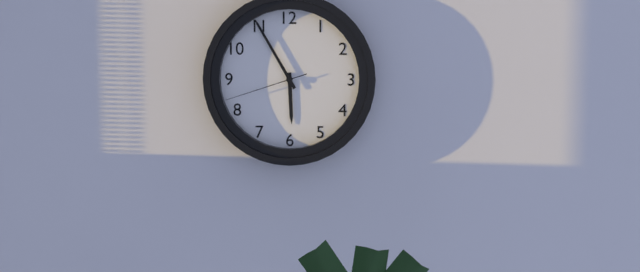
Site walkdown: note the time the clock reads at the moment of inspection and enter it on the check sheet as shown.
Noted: 5:55:42
